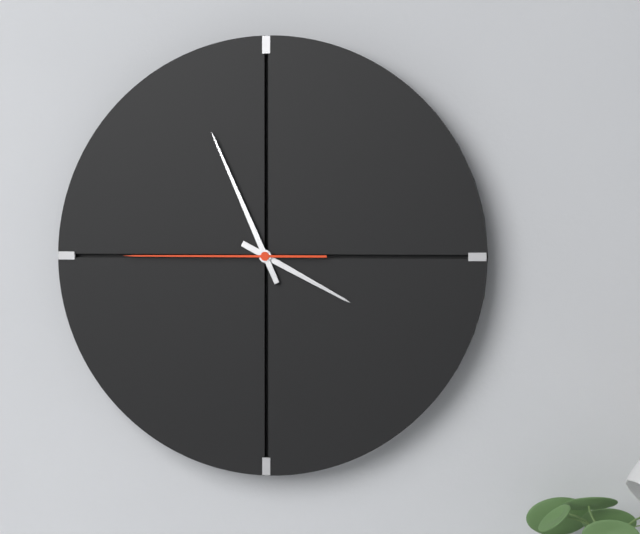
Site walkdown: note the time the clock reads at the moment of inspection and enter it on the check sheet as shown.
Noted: 3:56:45
